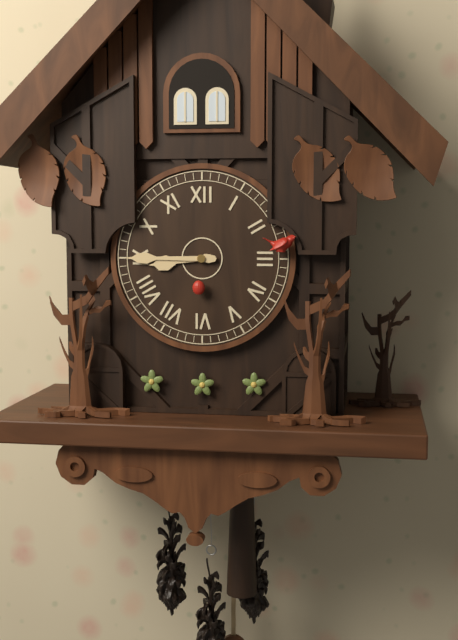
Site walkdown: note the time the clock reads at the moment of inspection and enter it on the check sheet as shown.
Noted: 8:45
